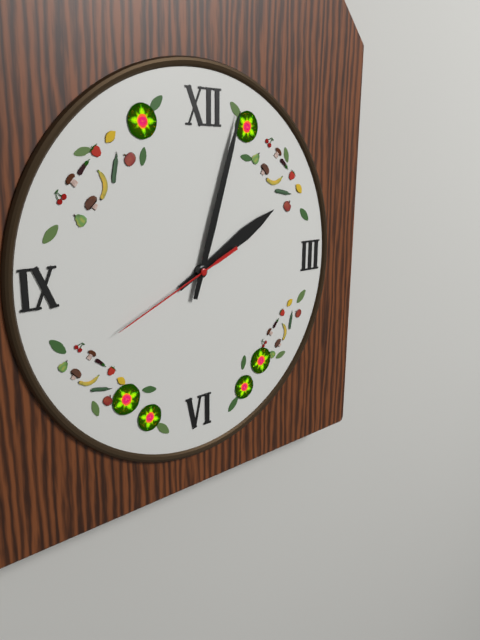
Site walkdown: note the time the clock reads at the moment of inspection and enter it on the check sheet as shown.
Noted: 2:03:41
